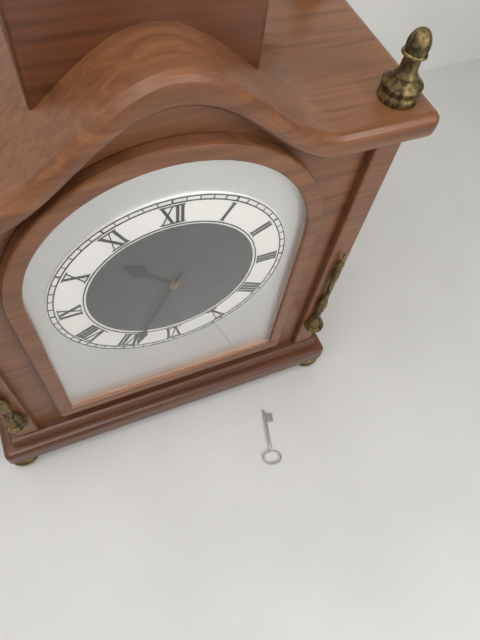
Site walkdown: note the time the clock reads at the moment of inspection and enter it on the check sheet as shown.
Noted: 10:34
